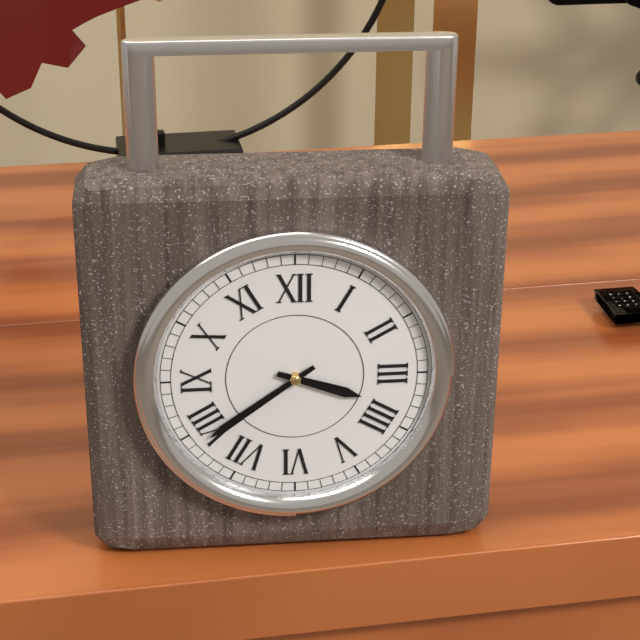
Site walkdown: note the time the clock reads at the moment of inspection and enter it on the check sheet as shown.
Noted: 3:39
